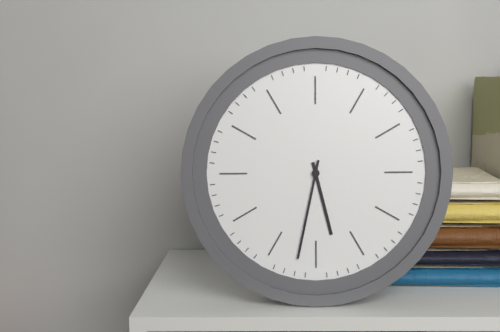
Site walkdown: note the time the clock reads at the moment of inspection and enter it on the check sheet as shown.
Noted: 5:32
